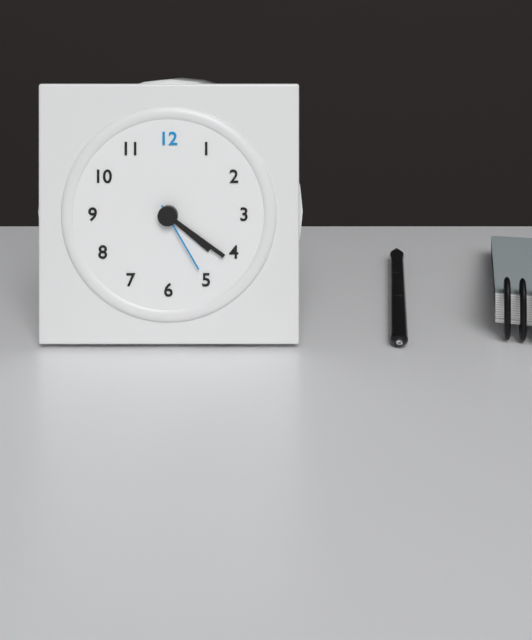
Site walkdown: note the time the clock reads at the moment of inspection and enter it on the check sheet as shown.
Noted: 4:21:25
